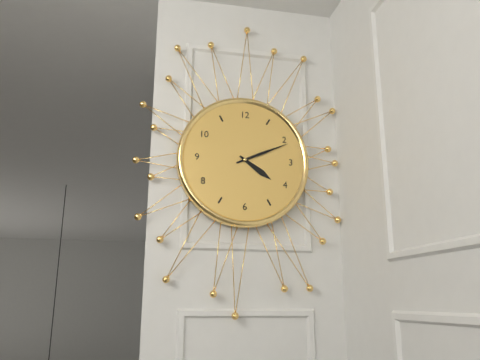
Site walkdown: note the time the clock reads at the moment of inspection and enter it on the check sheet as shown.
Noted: 4:11
